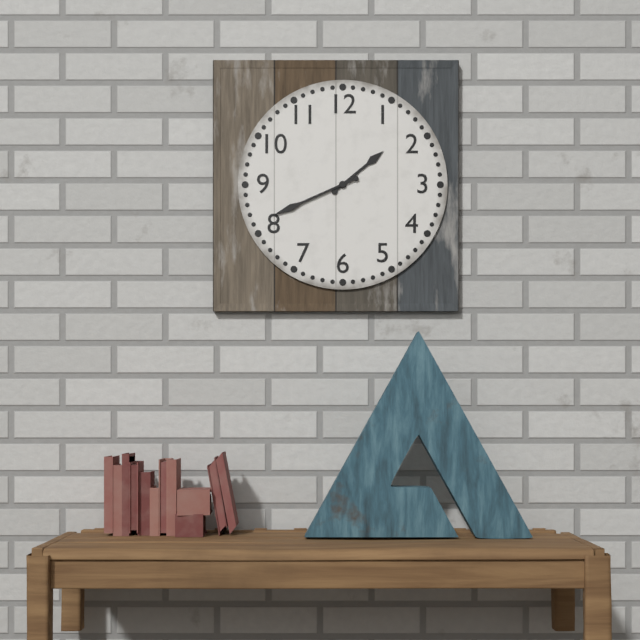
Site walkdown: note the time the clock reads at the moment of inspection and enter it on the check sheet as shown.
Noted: 1:41
